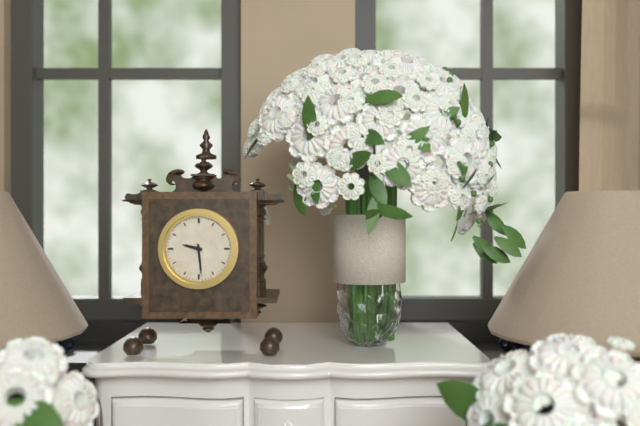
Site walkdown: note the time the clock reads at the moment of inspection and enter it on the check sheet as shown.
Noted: 9:29
